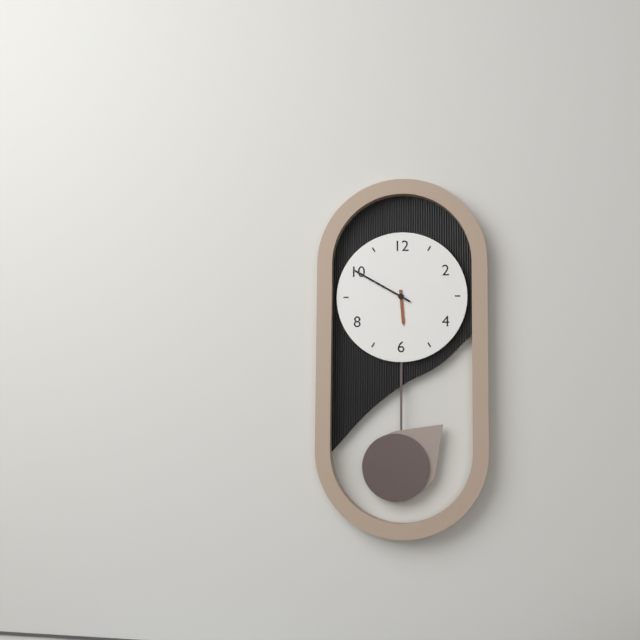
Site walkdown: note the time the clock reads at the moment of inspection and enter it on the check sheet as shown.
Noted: 5:50
